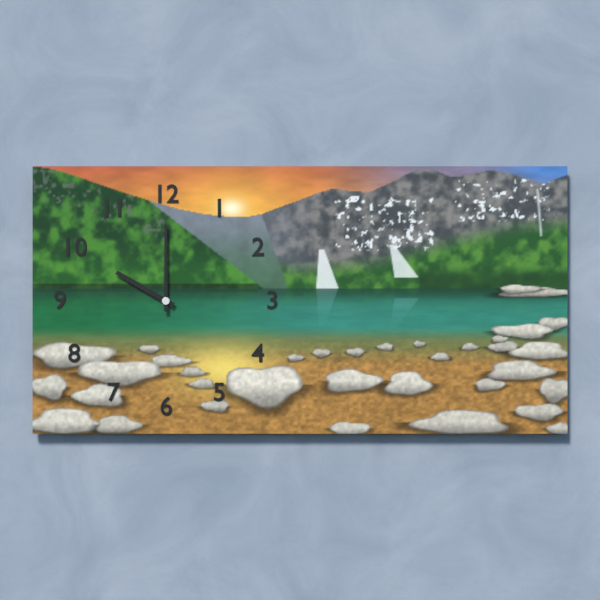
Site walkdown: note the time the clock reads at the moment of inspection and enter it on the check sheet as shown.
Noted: 10:00
